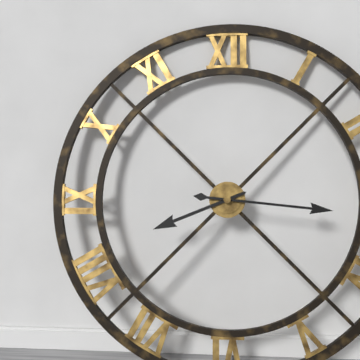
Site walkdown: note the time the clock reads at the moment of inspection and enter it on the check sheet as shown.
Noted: 8:16
